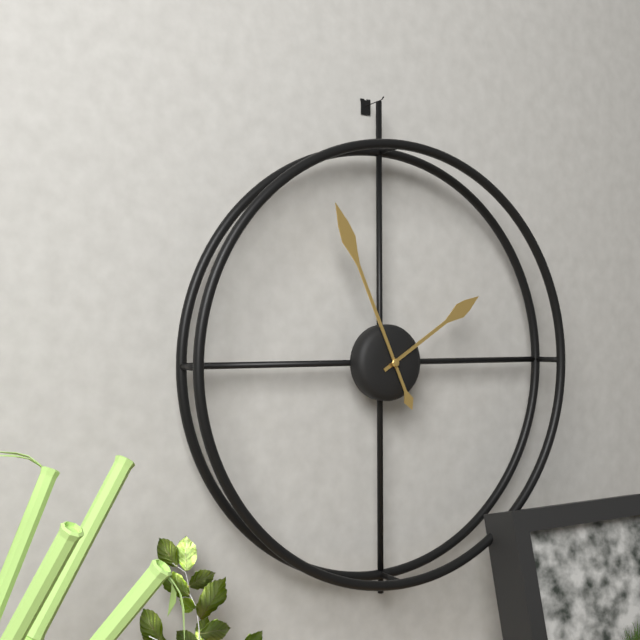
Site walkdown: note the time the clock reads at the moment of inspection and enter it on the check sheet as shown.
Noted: 1:56
